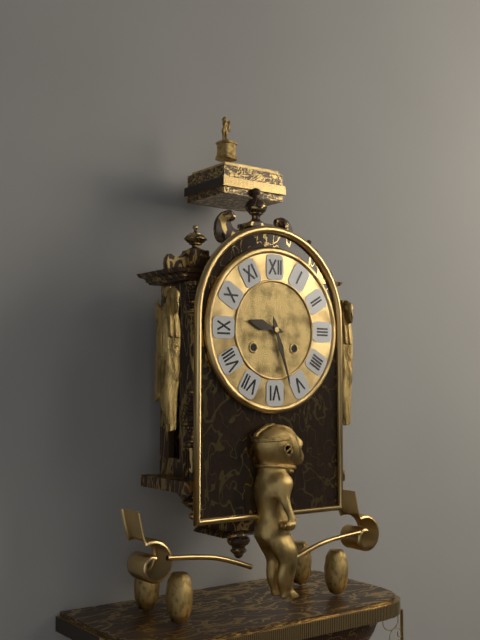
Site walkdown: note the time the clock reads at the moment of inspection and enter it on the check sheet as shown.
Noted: 9:27
